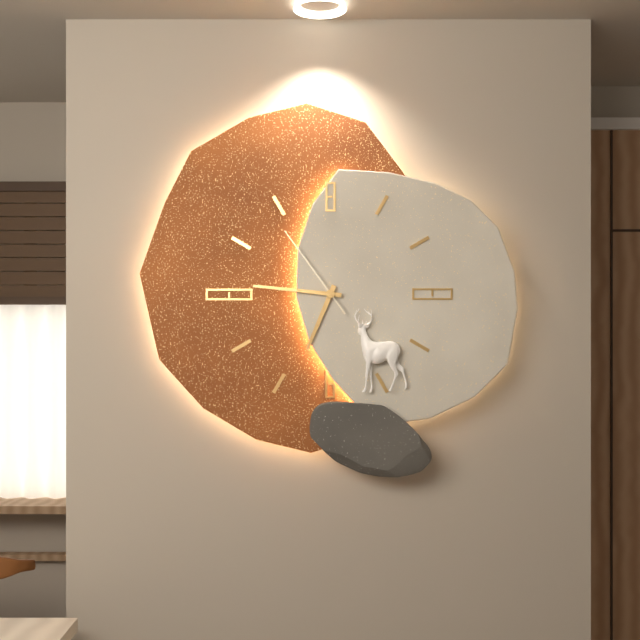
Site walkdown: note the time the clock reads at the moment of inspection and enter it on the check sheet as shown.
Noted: 6:46:54
